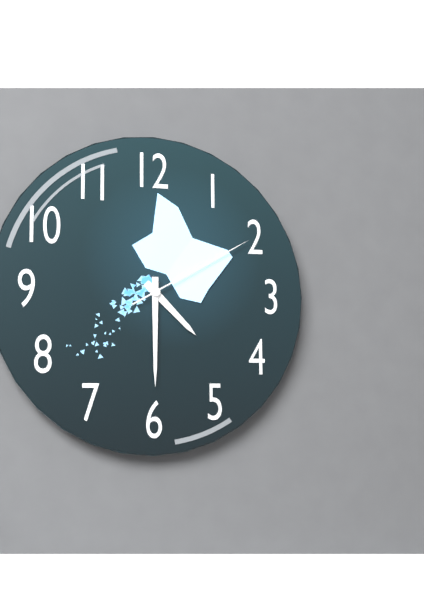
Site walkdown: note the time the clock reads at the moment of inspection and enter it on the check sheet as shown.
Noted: 4:30:10
